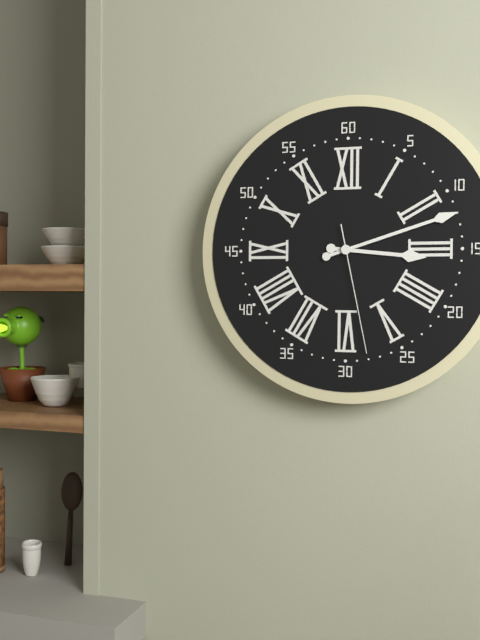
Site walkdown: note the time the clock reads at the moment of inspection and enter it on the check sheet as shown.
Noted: 3:12:28
